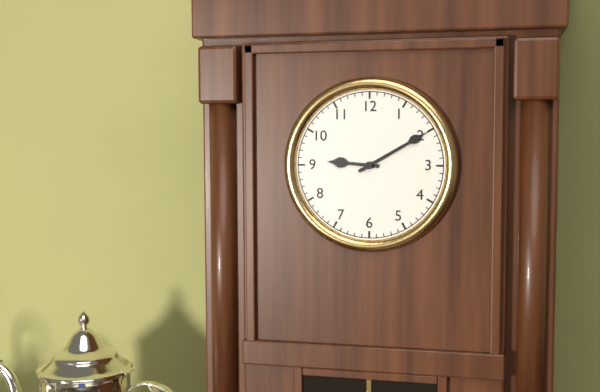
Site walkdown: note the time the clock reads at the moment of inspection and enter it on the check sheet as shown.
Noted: 9:10
